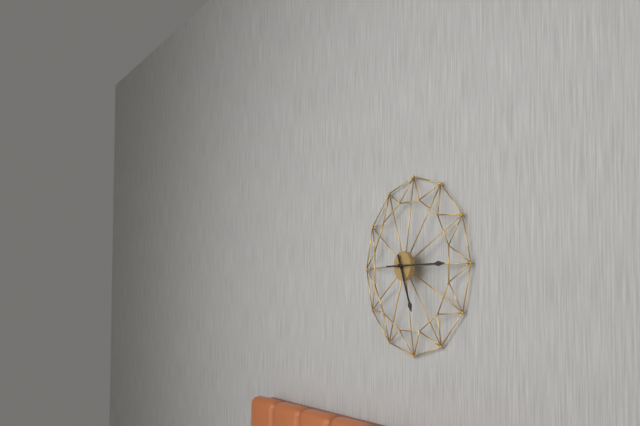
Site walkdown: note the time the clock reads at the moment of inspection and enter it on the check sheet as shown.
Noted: 5:15
